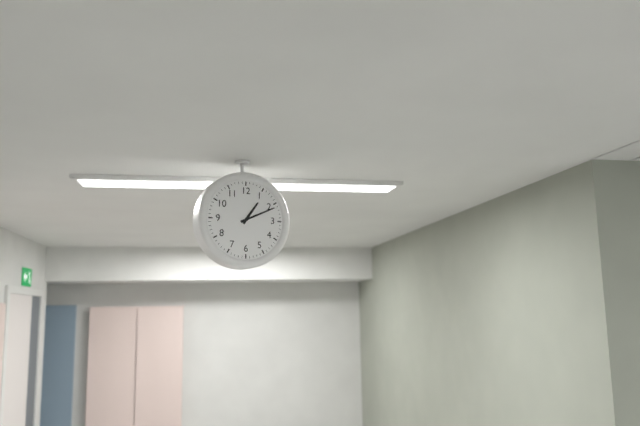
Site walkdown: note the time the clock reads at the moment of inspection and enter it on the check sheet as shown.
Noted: 1:11
